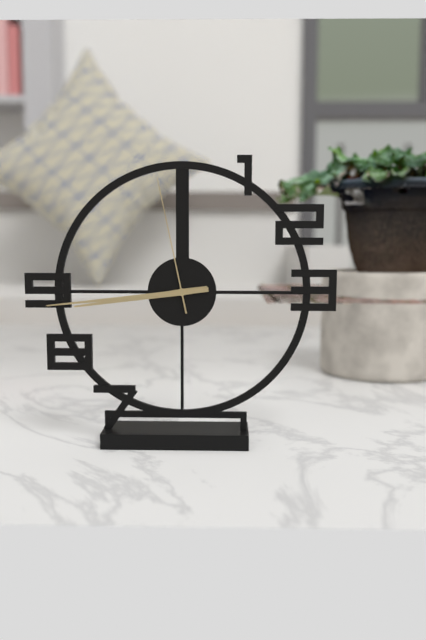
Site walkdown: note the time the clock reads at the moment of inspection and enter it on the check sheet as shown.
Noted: 8:44:58
